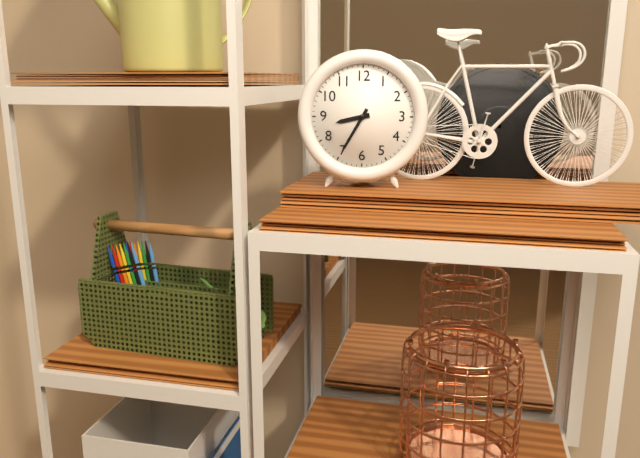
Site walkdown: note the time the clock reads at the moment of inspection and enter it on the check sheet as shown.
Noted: 8:35
